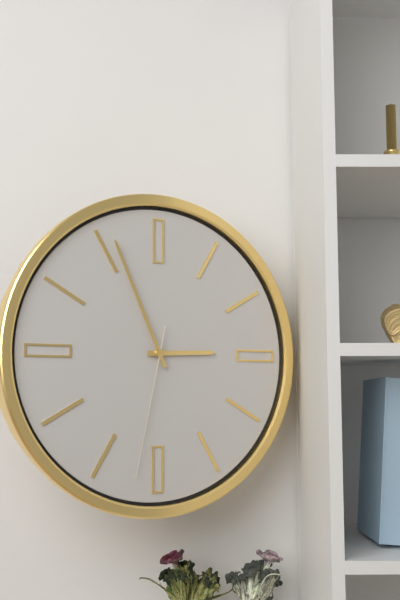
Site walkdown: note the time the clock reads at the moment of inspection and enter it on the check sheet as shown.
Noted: 2:56:32
